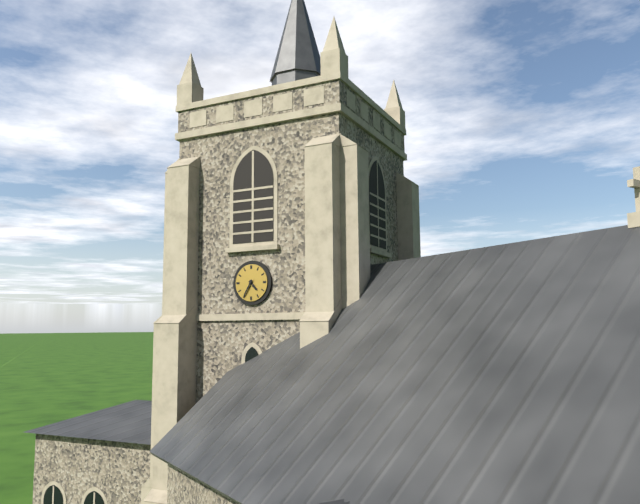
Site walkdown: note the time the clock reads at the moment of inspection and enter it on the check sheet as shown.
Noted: 4:35
